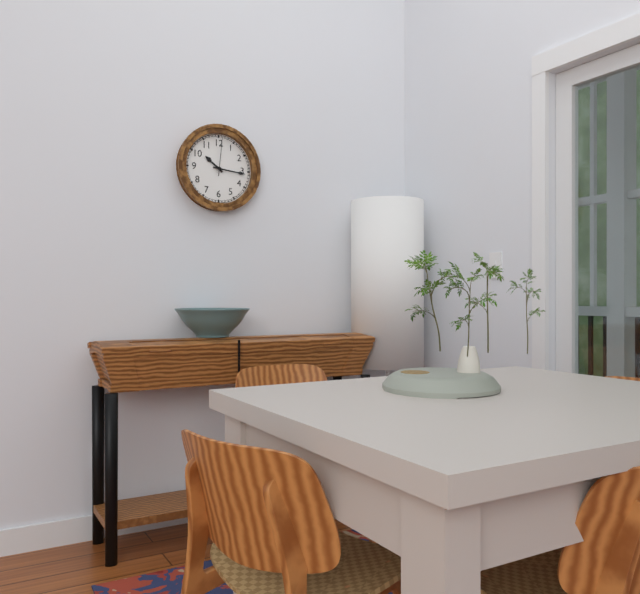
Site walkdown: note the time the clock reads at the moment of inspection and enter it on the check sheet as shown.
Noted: 10:16
